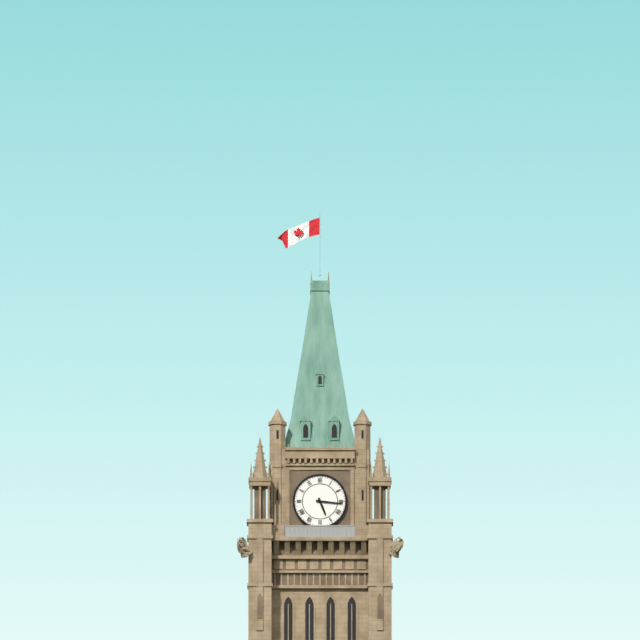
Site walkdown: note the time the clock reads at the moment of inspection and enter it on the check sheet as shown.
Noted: 5:16
